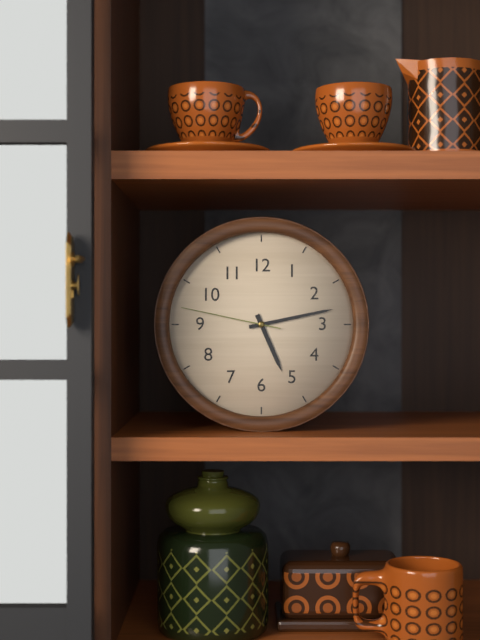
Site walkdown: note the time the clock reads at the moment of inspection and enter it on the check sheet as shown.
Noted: 5:13:47
